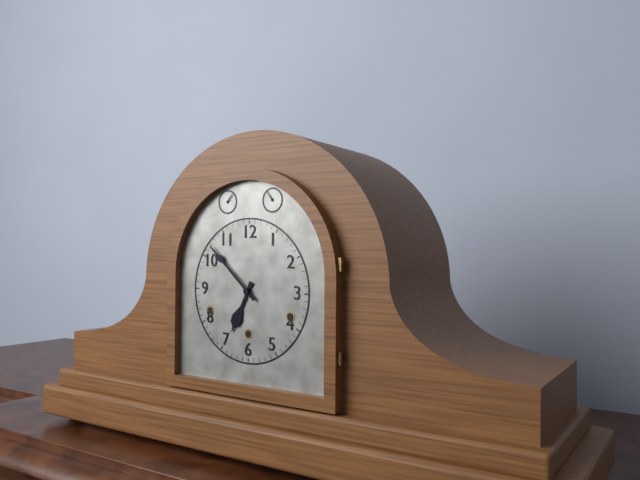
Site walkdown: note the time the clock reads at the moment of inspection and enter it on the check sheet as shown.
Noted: 6:52
